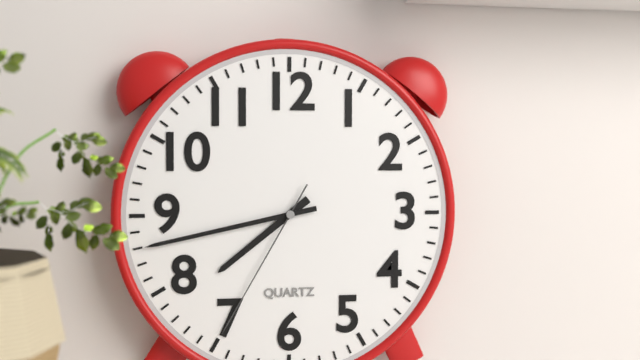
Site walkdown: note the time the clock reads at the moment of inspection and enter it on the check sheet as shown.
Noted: 7:43:35
